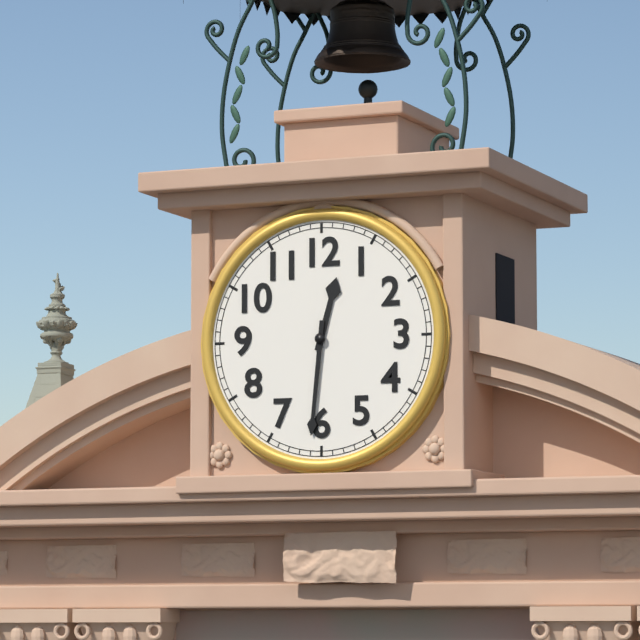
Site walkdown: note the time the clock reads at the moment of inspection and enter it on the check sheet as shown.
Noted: 12:31
